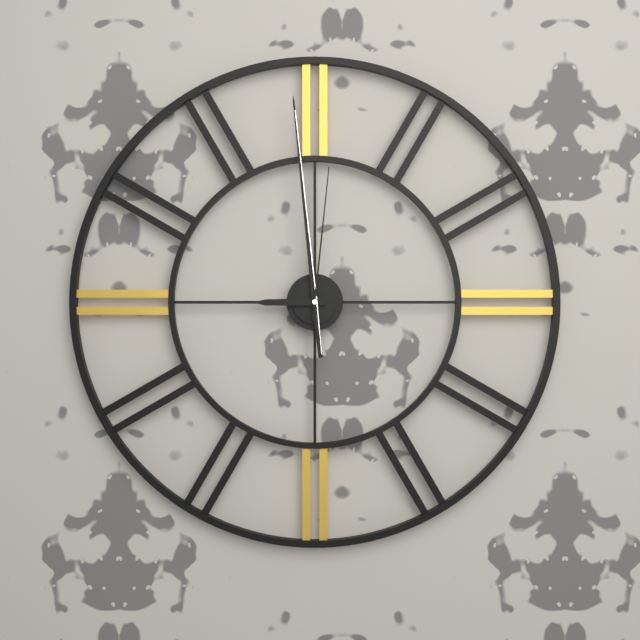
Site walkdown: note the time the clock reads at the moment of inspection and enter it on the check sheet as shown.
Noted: 8:59:01
